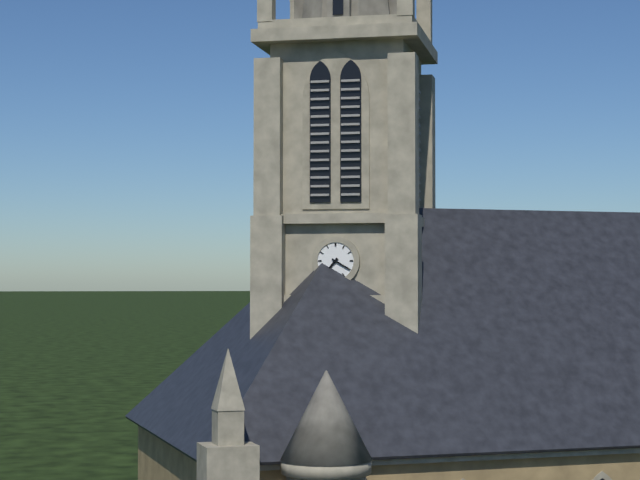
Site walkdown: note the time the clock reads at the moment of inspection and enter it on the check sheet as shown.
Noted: 7:20
